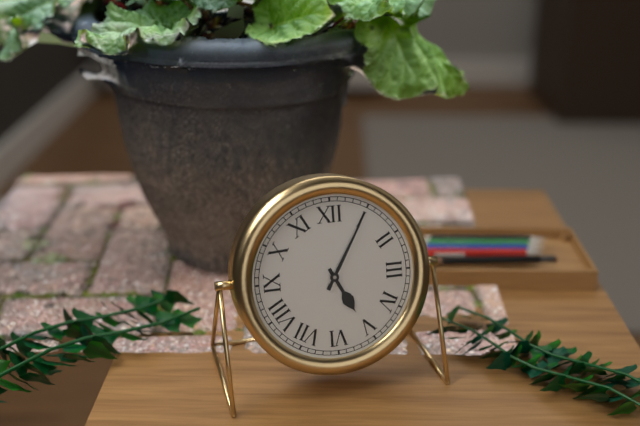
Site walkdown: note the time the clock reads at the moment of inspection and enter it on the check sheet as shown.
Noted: 5:05
